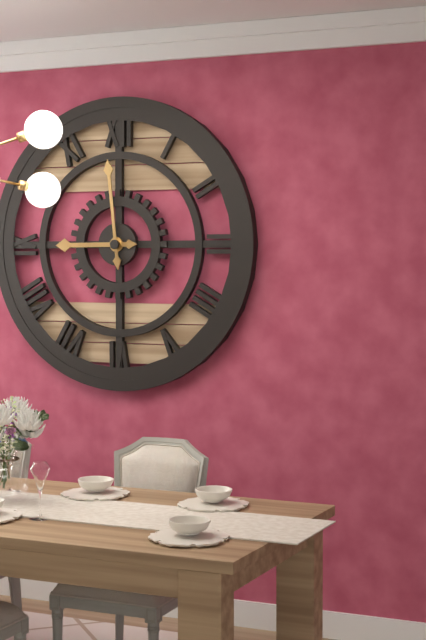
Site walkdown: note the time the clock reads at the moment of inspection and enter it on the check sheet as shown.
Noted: 8:59
